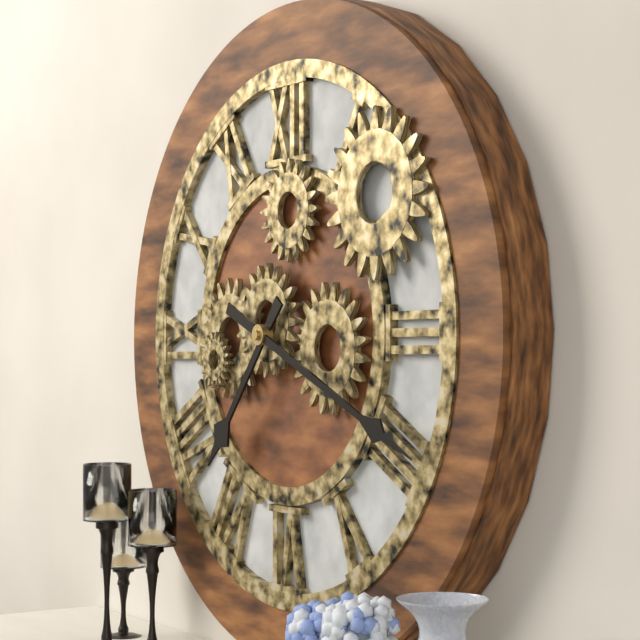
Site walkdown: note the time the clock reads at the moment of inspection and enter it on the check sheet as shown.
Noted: 7:19
